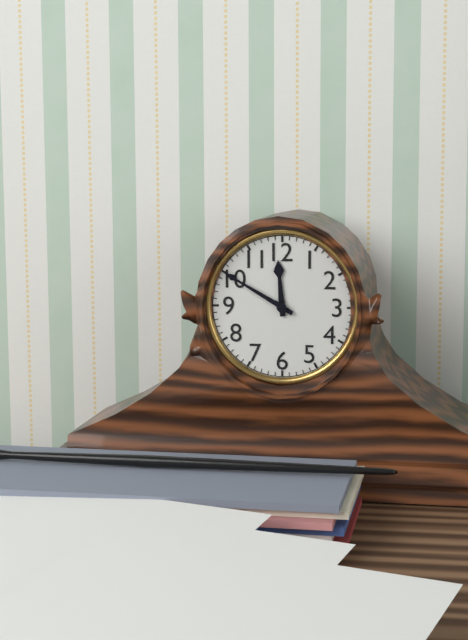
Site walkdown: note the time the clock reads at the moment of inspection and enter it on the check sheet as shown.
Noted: 11:50
